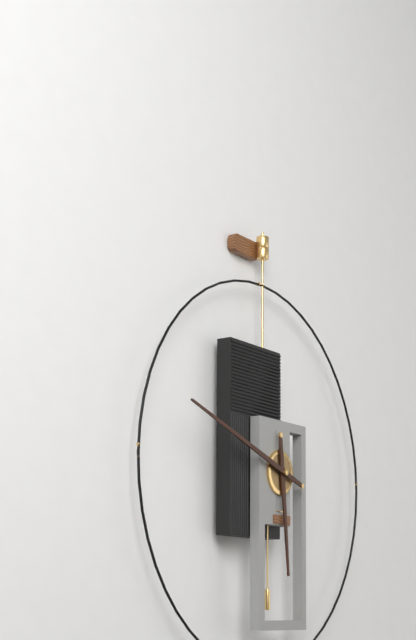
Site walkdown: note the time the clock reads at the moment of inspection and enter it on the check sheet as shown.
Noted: 5:48
